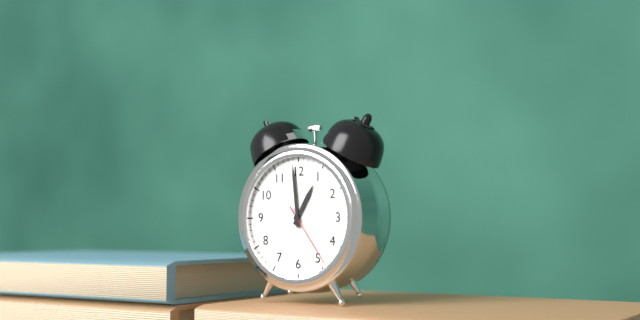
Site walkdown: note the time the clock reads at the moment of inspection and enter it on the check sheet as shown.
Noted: 12:59:24
